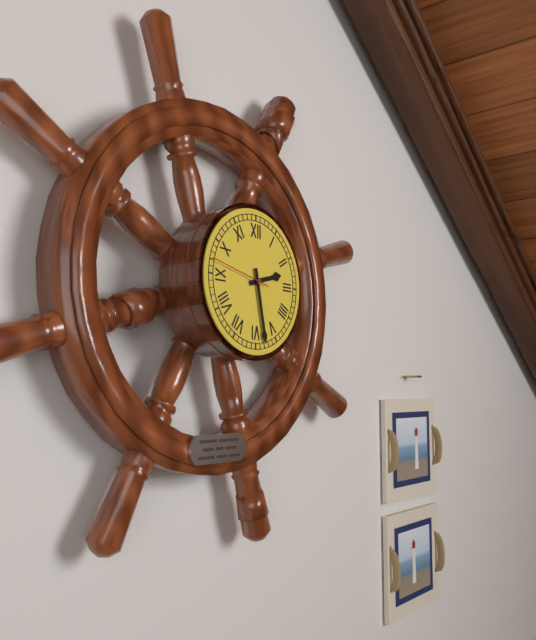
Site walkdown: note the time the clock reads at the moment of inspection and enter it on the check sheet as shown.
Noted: 2:28:47
